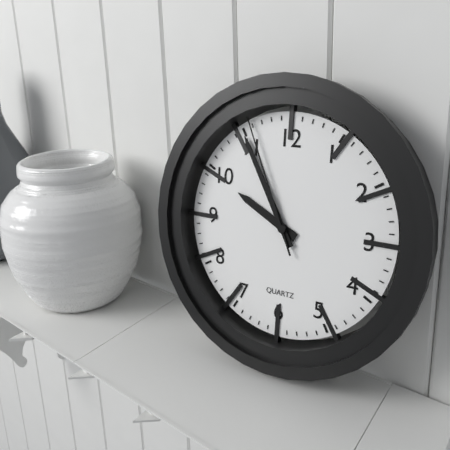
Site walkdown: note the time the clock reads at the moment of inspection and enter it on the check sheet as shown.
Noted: 9:55:56
